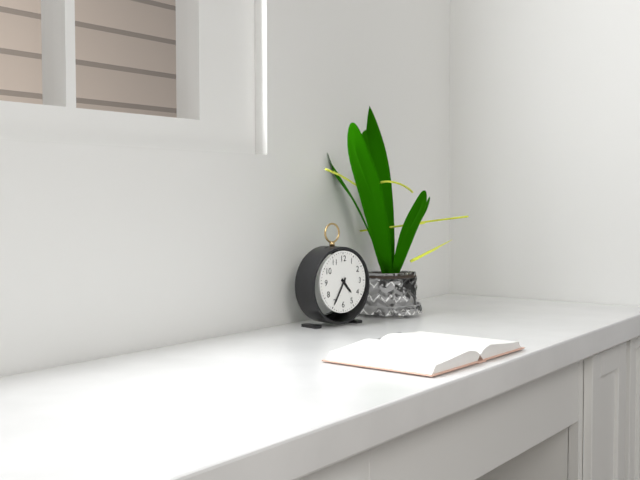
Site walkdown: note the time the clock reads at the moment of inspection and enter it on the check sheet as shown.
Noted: 4:35
